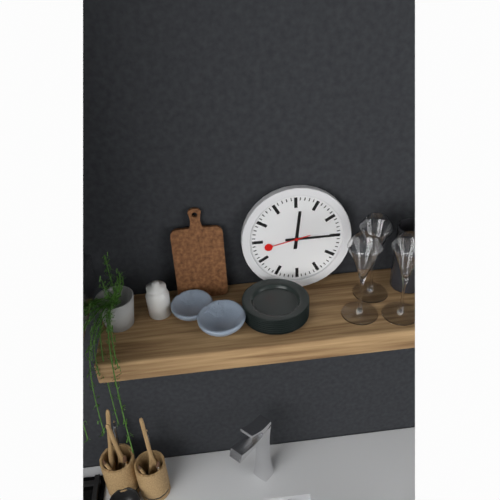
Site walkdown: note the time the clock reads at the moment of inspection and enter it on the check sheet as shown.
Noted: 12:15
